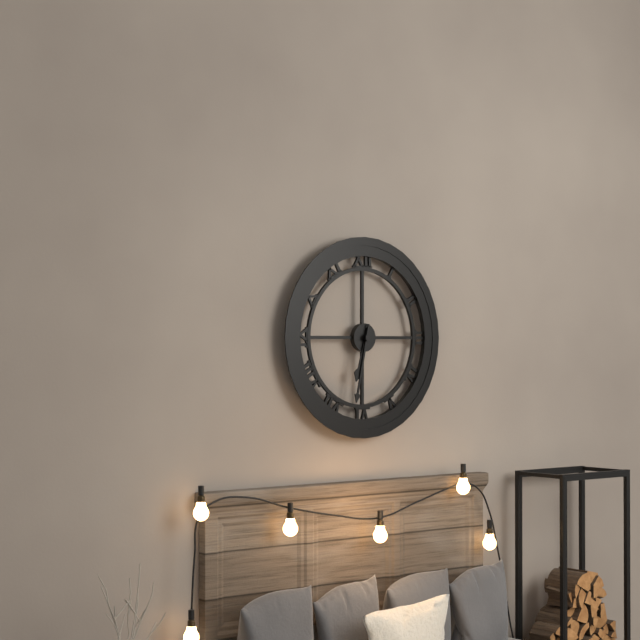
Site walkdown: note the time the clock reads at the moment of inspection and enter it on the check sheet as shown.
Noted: 6:32
